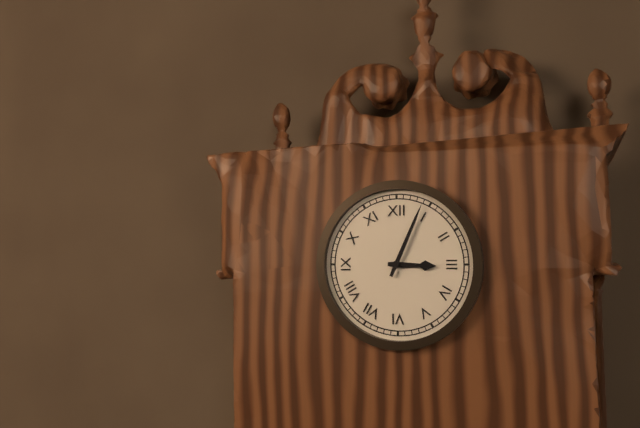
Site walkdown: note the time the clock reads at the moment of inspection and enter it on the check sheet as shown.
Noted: 3:04
